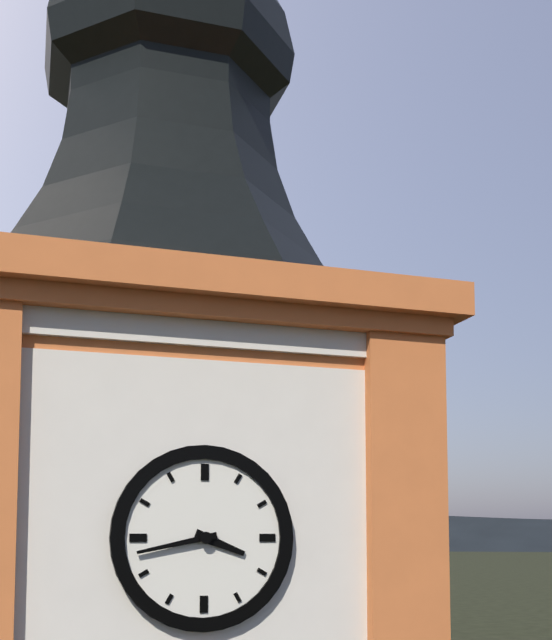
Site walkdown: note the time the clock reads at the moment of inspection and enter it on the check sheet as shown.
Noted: 3:43
